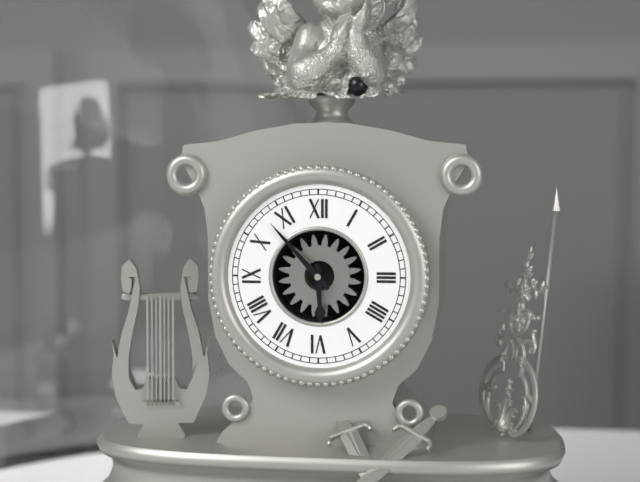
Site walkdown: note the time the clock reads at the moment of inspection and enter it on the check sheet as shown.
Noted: 5:53
